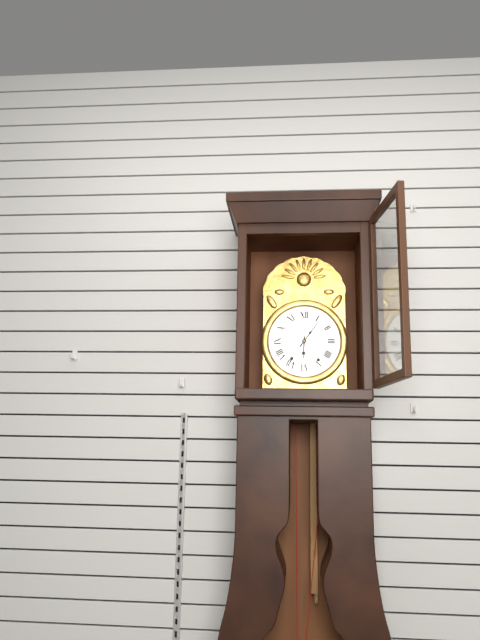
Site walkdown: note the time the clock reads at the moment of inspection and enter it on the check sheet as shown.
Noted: 6:06
